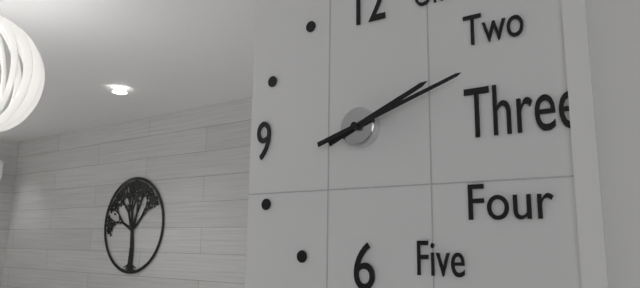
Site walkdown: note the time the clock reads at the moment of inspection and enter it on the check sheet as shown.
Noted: 2:12
